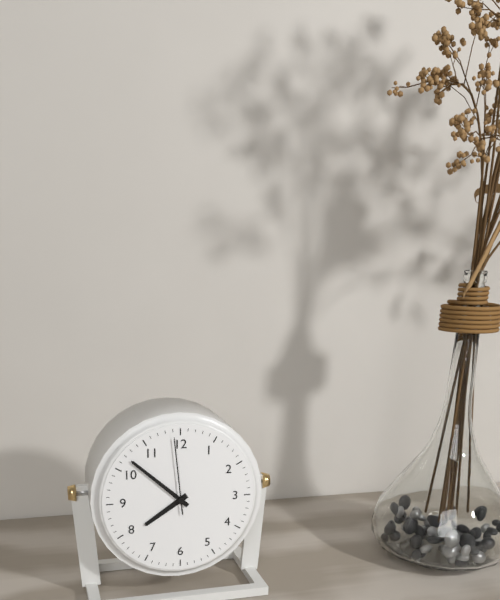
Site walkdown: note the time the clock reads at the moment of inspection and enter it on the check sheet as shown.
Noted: 7:52:59
